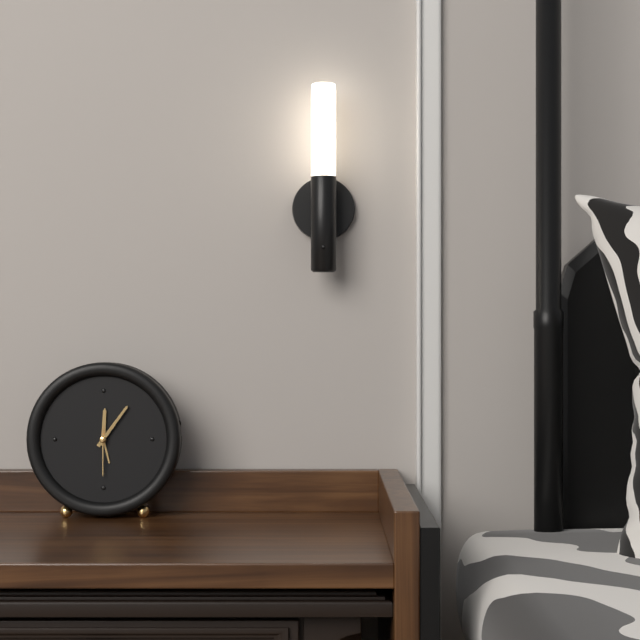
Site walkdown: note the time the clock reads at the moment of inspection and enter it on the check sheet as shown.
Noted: 12:06
